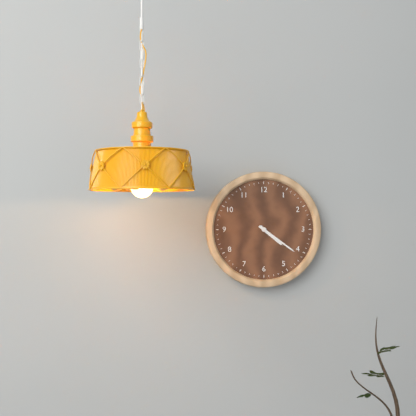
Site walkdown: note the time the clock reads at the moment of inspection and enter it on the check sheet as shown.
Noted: 4:21
